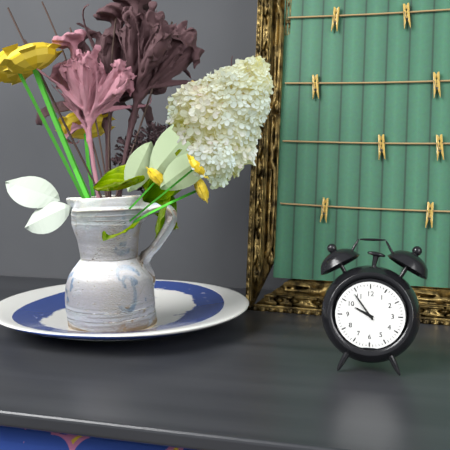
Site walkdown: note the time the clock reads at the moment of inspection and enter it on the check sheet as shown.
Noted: 9:54
